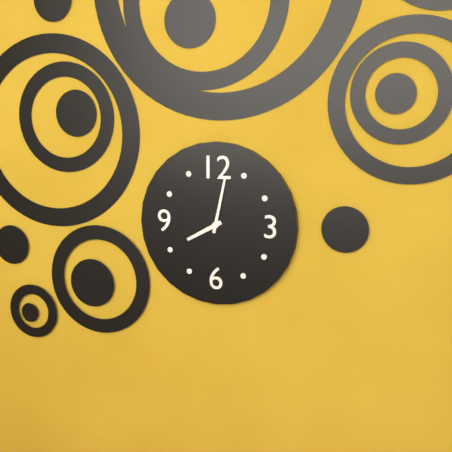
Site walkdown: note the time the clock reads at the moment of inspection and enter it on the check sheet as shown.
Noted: 8:02
